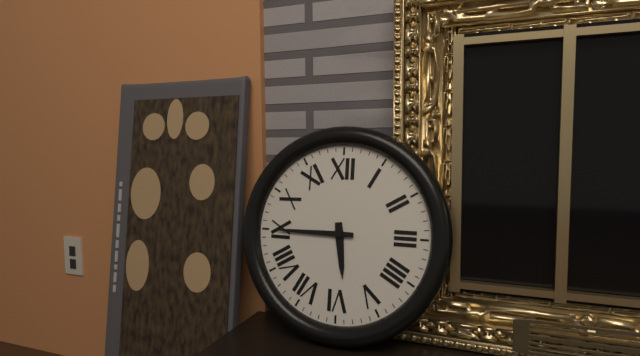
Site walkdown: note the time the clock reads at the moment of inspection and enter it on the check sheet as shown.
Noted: 5:45
